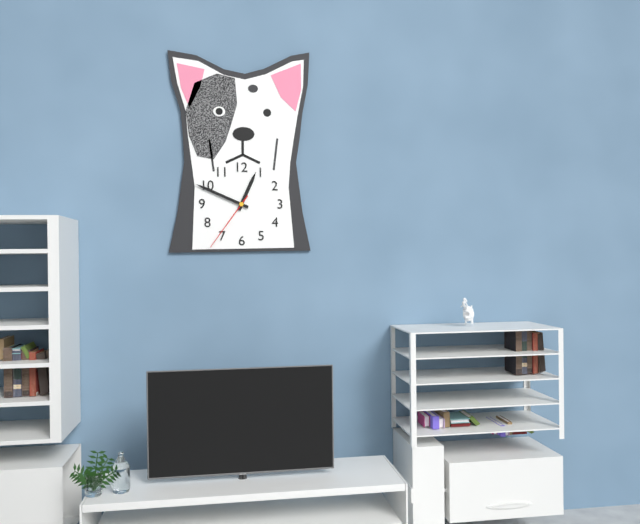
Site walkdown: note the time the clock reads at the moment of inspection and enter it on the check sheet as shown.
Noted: 12:49:36
